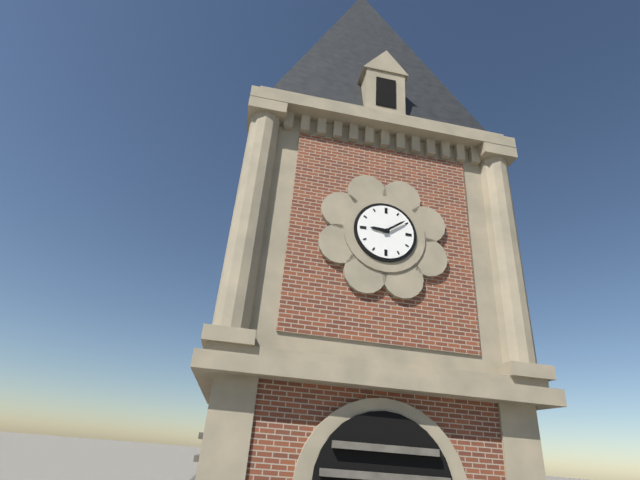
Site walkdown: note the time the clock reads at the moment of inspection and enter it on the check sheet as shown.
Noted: 9:09
